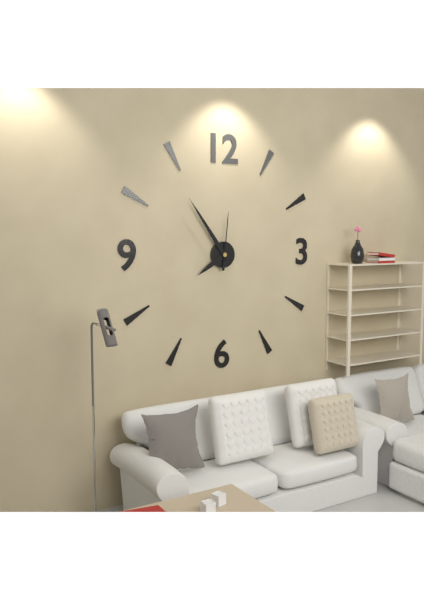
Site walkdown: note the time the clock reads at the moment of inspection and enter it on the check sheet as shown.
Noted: 7:54:01
